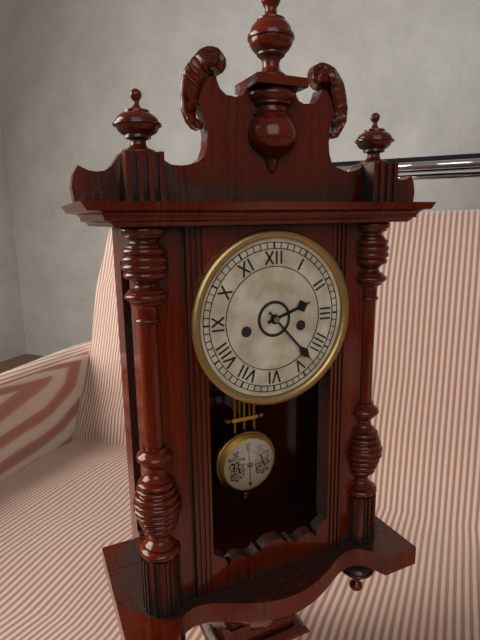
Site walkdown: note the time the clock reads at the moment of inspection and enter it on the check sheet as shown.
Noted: 2:23
